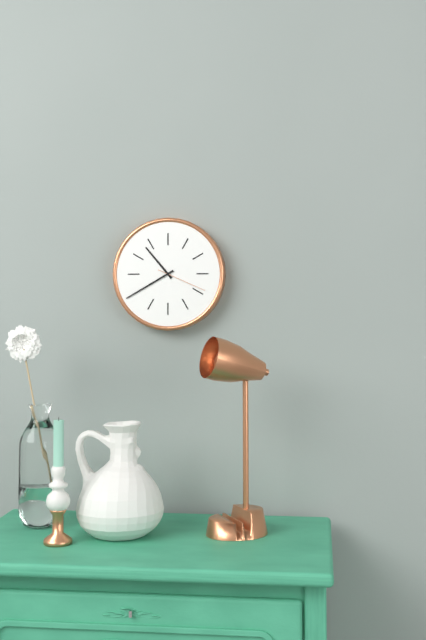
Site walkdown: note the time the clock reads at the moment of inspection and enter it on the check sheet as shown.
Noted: 10:40
